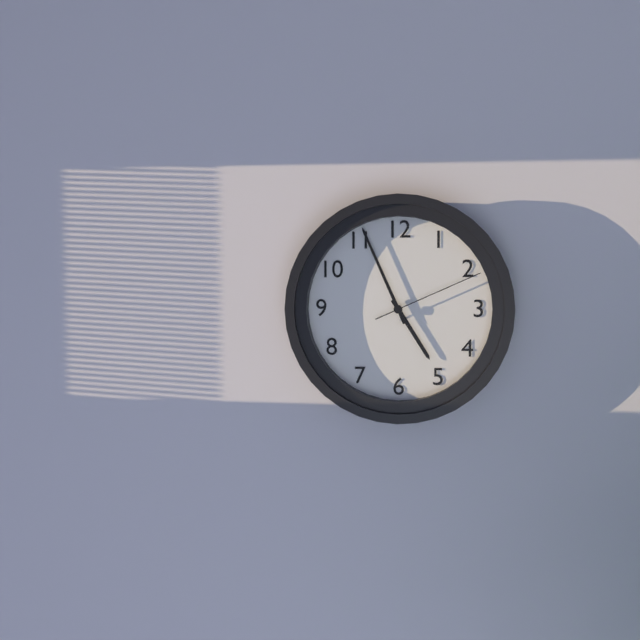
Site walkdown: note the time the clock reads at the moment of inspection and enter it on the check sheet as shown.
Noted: 4:56:11
